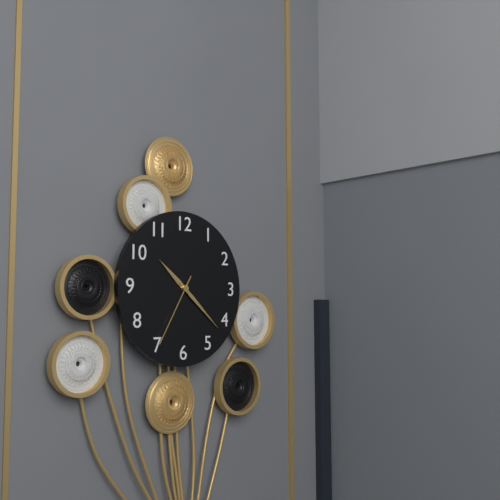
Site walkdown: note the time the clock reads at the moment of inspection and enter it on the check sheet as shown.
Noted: 10:22:35
